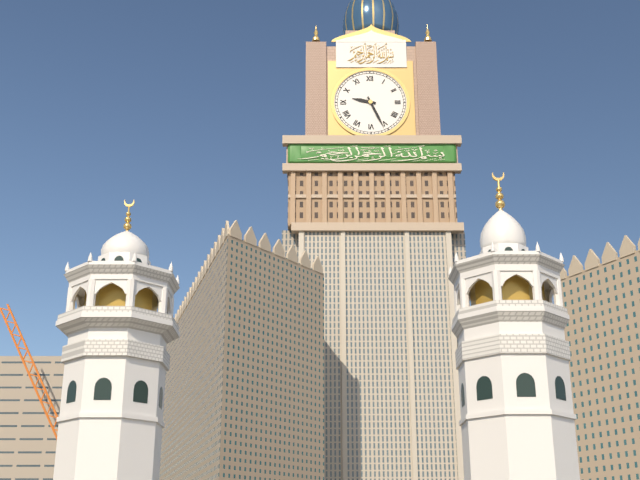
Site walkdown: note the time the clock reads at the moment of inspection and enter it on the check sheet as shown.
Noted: 9:26
